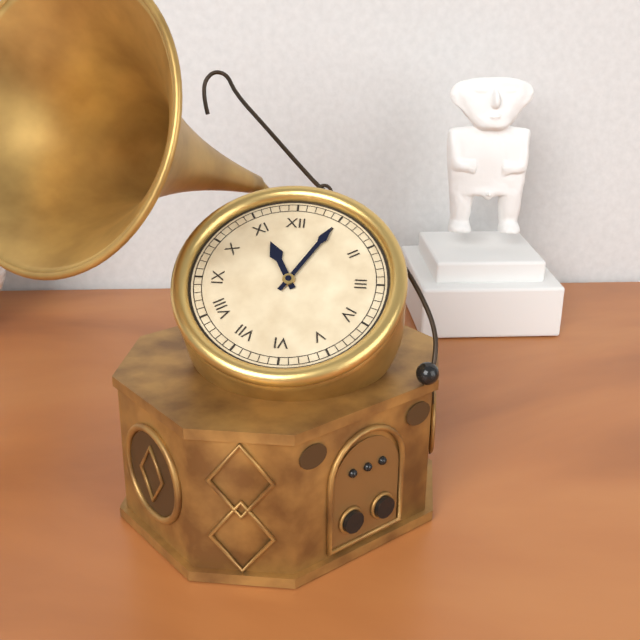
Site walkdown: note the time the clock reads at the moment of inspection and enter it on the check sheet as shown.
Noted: 11:05
